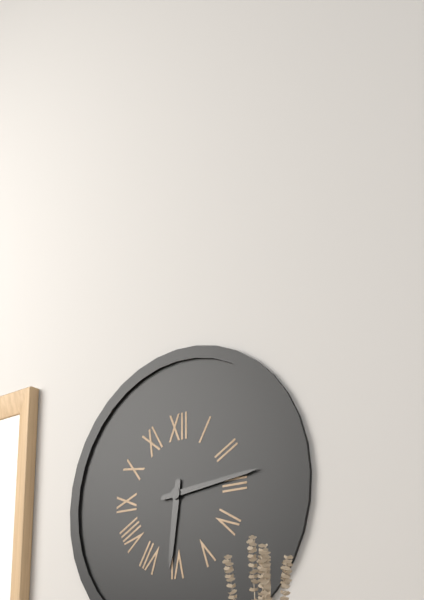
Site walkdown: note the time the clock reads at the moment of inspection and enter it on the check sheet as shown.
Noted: 6:14
